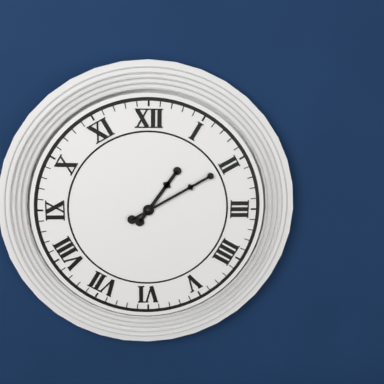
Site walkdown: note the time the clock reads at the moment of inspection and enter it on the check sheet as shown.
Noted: 1:10
